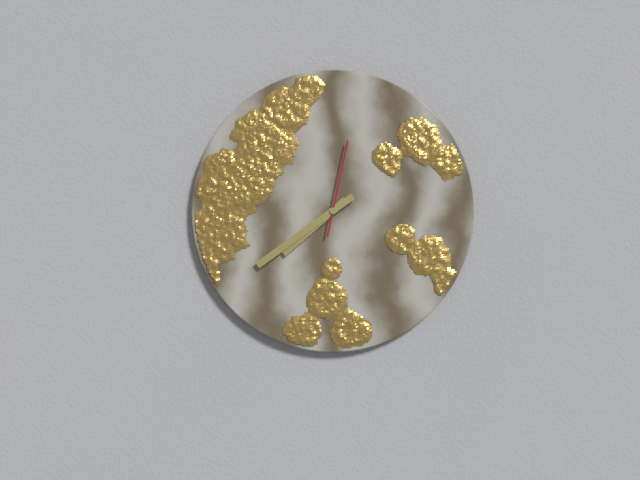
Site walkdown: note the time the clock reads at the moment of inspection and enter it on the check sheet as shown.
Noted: 7:39:02
